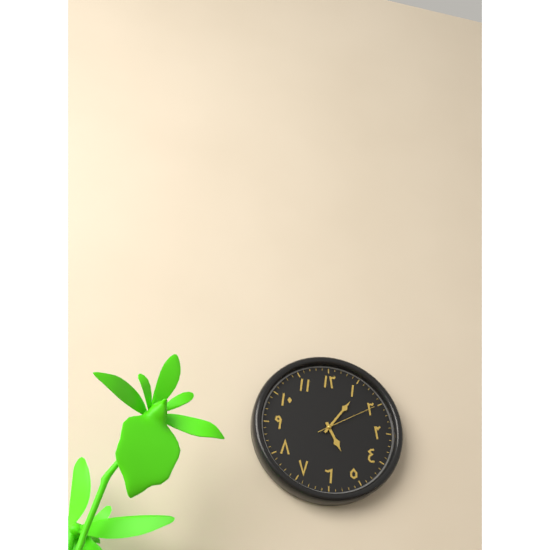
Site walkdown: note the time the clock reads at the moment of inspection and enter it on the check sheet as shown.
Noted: 5:06:10
